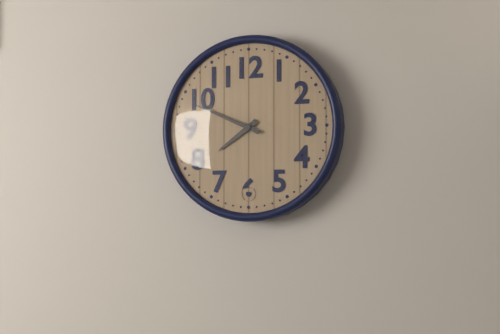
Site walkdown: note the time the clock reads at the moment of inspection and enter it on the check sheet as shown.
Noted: 7:49
